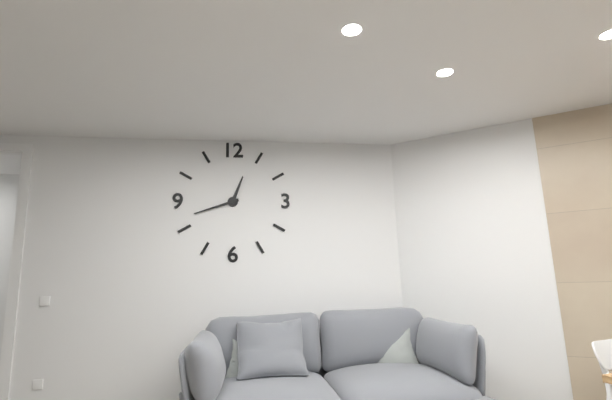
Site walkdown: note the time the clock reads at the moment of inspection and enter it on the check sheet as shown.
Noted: 12:42
